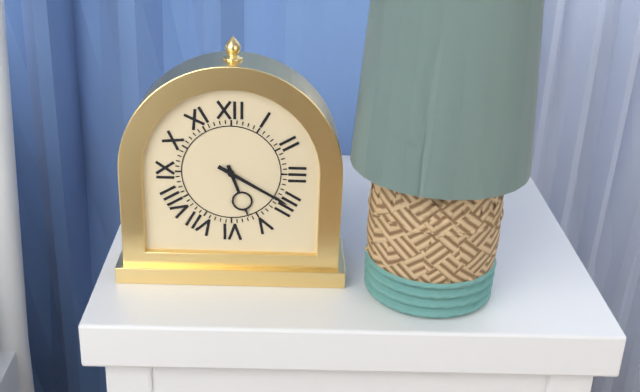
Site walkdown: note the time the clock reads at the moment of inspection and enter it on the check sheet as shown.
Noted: 5:20
